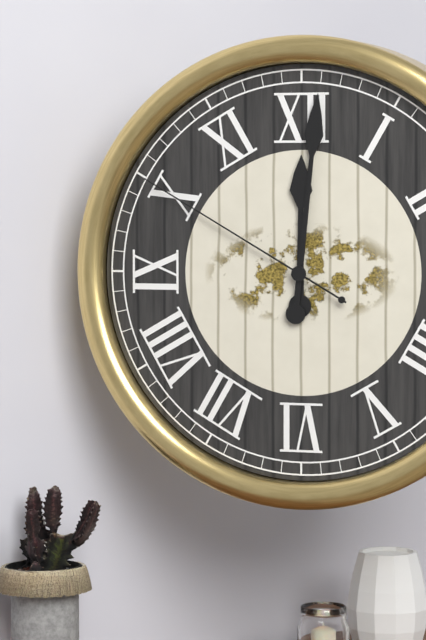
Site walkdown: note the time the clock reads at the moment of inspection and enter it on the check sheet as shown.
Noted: 12:01:50
